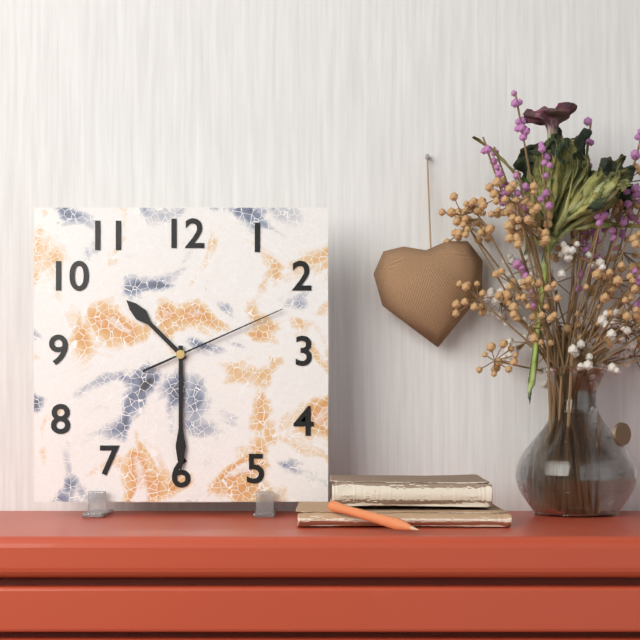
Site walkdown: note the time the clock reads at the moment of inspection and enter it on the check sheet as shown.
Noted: 10:30:11
